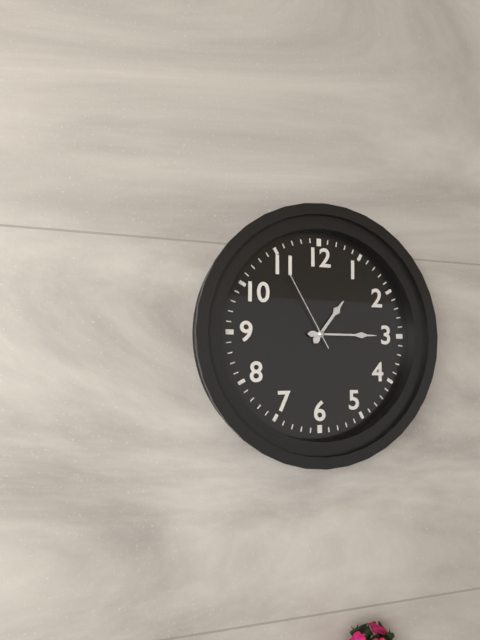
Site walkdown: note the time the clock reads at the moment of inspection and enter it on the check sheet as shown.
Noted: 1:15:55
